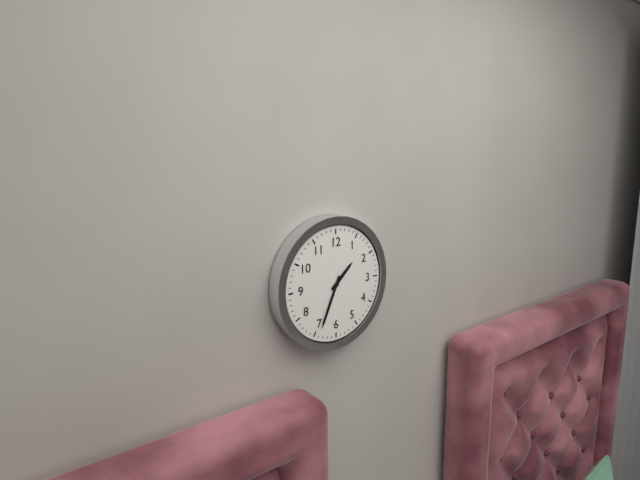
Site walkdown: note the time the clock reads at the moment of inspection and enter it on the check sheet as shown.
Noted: 1:34
